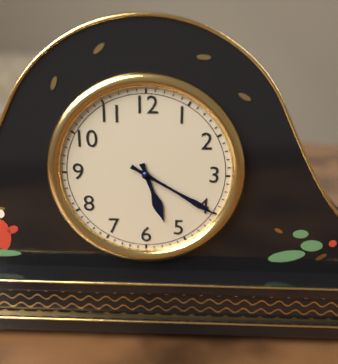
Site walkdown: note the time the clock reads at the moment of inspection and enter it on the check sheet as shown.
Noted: 5:20
